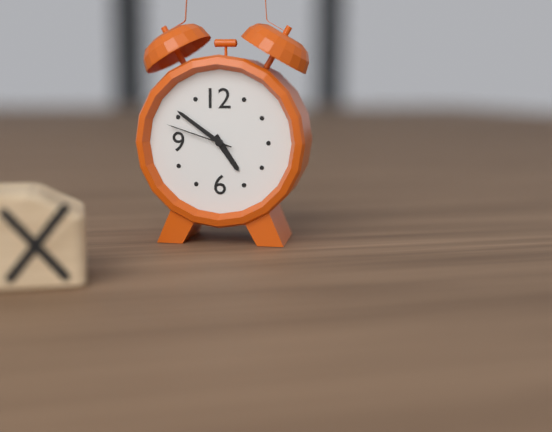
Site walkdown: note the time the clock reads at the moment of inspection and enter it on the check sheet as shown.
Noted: 4:51:48
